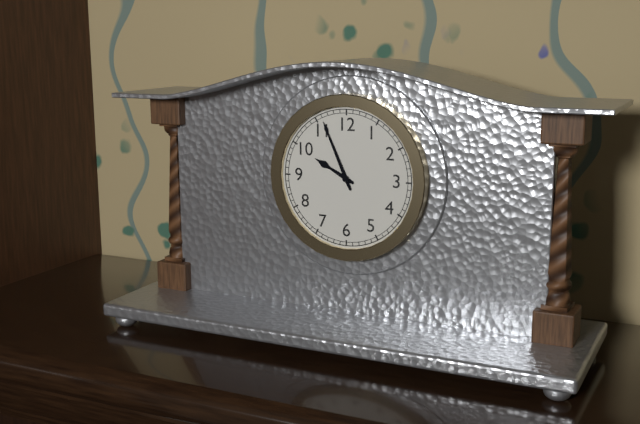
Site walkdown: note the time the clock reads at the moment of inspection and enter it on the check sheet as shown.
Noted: 9:56
